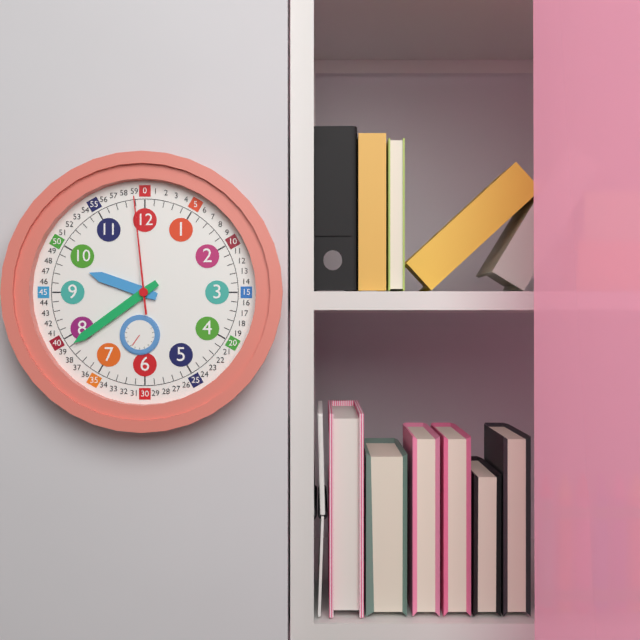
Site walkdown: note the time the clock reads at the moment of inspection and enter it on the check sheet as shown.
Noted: 9:39:59
